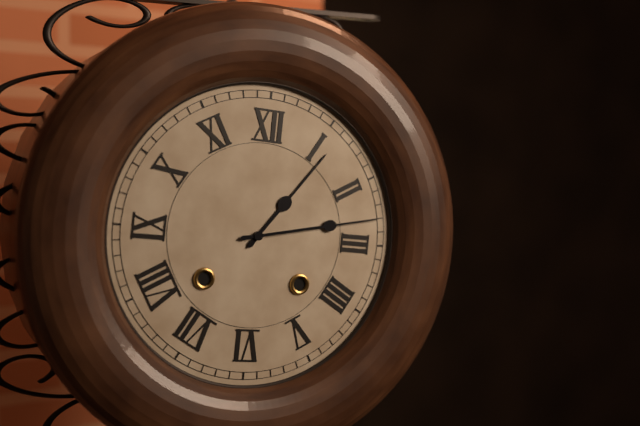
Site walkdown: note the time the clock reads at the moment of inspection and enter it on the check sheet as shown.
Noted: 1:13
